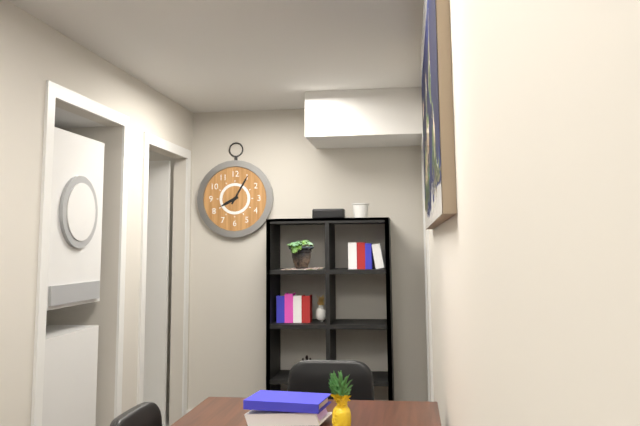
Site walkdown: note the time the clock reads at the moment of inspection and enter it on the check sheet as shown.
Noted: 8:05
